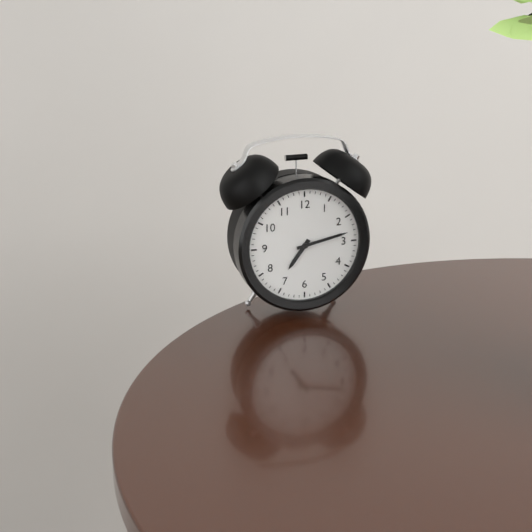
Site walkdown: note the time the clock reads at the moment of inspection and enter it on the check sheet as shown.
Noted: 7:13
